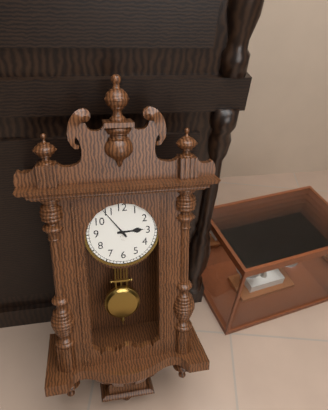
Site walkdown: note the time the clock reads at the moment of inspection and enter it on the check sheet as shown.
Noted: 2:54
